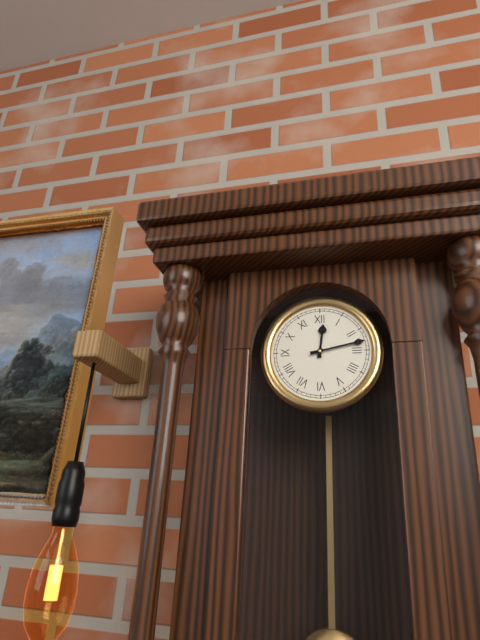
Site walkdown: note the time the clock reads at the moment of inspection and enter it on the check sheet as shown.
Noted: 12:13
